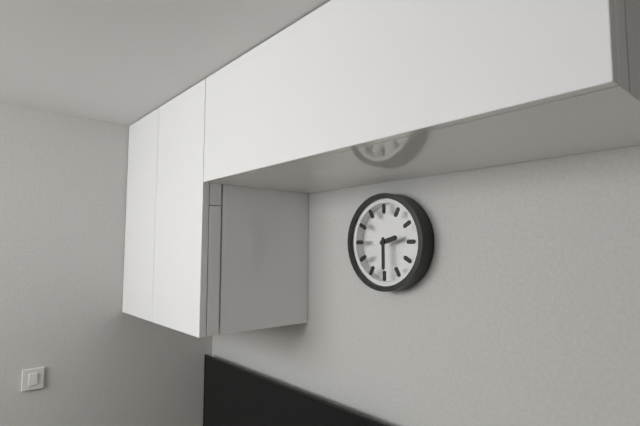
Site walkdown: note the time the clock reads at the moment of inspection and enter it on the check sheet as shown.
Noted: 2:30
